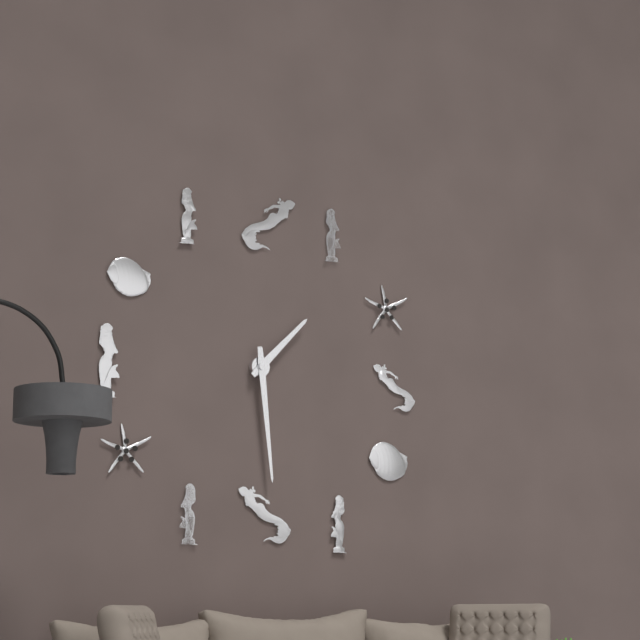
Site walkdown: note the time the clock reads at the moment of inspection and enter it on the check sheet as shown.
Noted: 1:29
